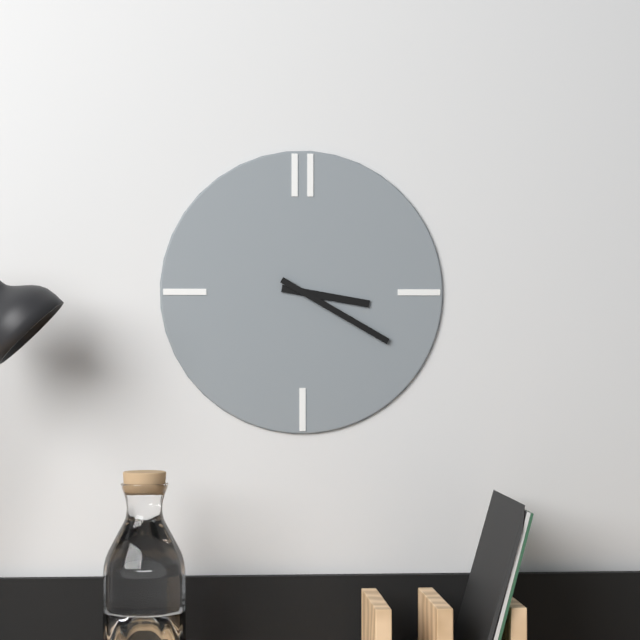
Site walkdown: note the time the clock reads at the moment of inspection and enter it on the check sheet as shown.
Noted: 3:20
